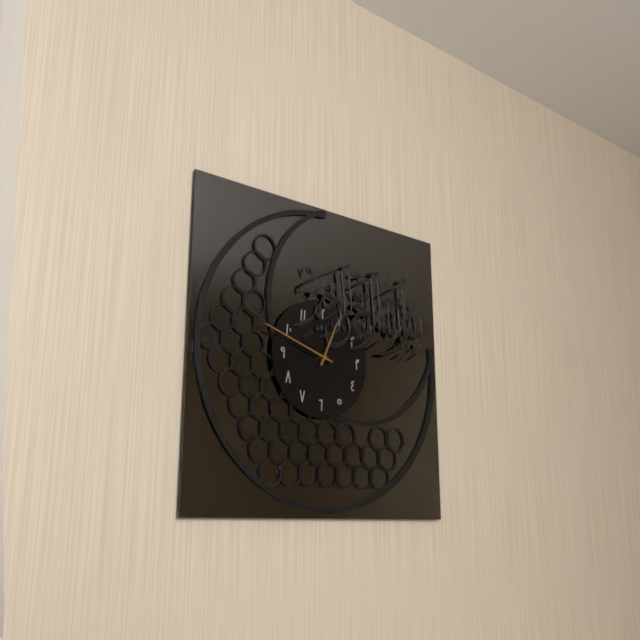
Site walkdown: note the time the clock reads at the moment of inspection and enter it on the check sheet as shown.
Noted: 12:48
